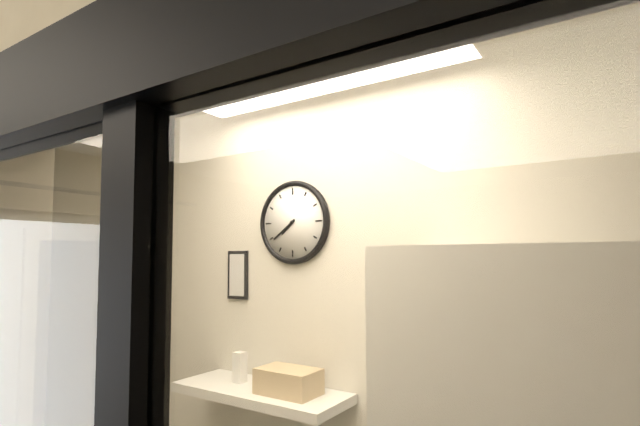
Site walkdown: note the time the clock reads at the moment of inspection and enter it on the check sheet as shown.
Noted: 7:39
